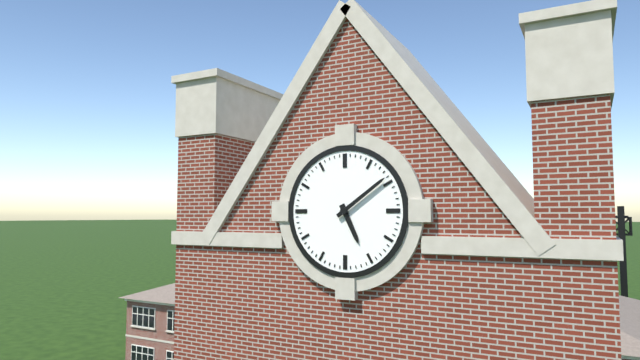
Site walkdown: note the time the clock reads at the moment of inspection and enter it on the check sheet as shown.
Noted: 5:09
